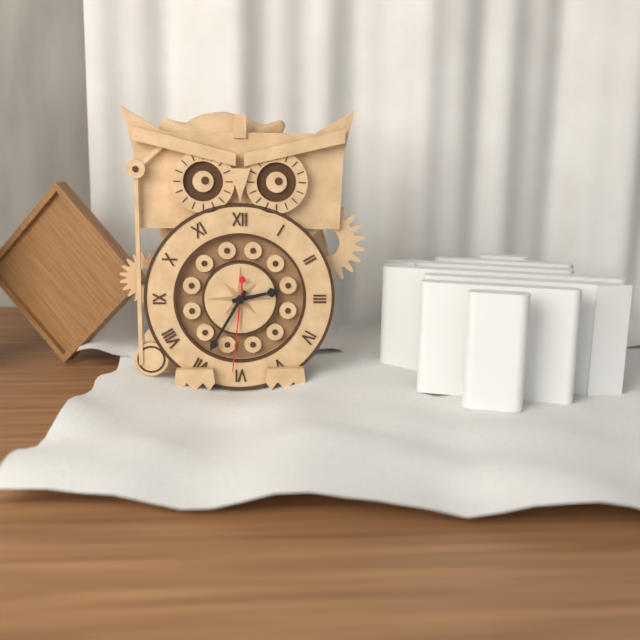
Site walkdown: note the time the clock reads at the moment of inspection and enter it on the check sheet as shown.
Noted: 2:35:31
